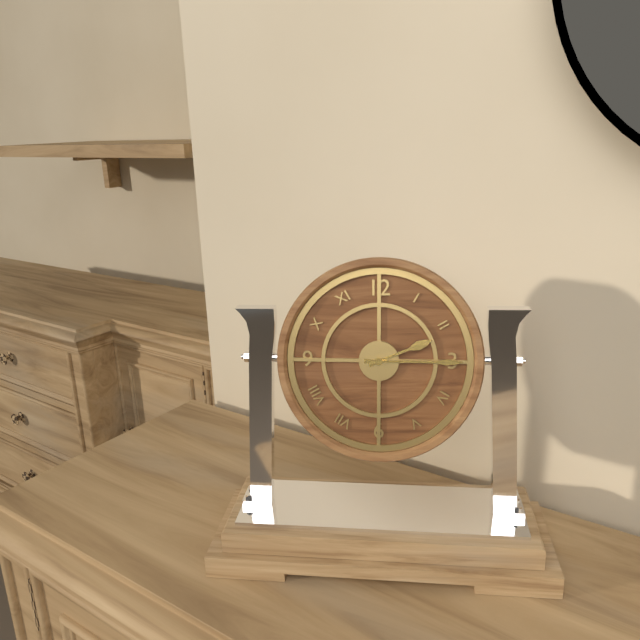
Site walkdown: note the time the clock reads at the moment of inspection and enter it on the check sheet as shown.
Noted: 2:15
